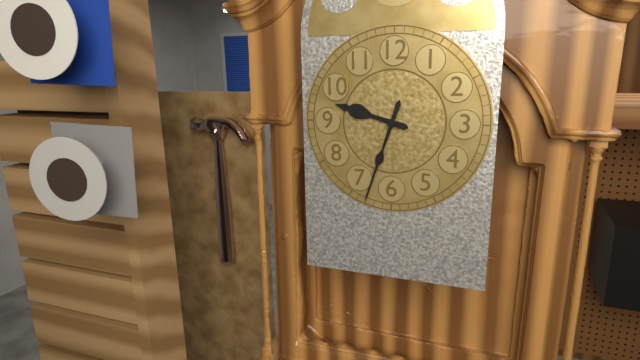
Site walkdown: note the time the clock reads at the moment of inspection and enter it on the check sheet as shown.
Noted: 9:33
